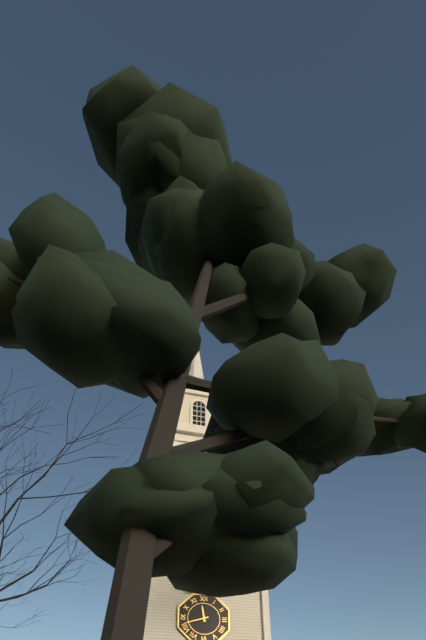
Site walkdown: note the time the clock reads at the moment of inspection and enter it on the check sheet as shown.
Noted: 11:42
